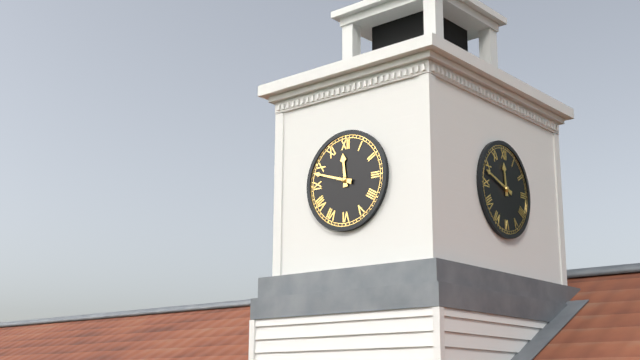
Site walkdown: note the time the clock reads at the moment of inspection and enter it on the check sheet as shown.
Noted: 11:48
